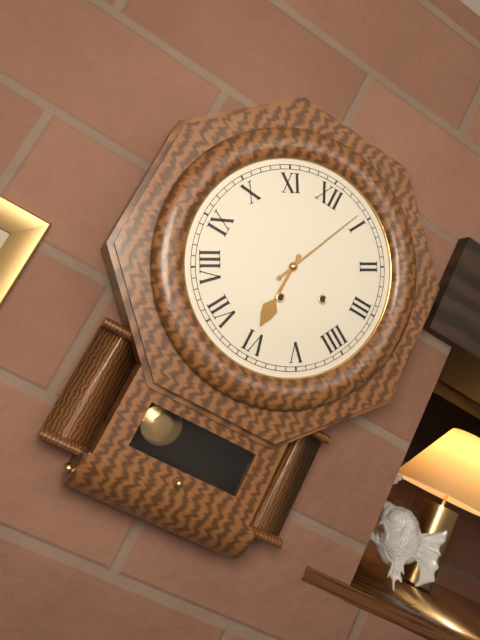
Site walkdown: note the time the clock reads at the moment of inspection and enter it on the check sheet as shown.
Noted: 6:04
